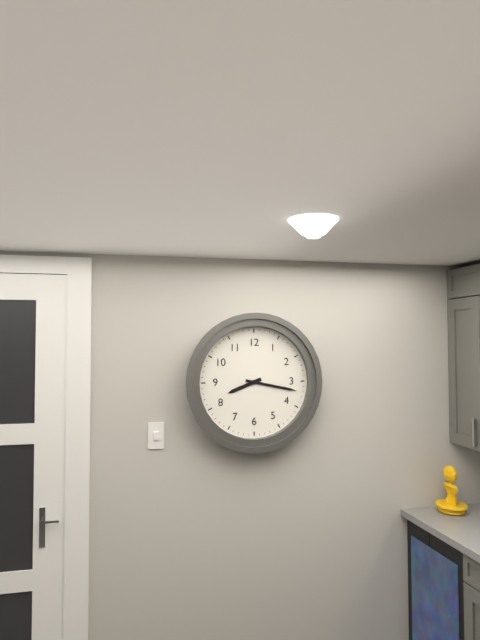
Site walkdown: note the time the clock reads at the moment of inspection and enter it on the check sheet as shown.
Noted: 8:17
